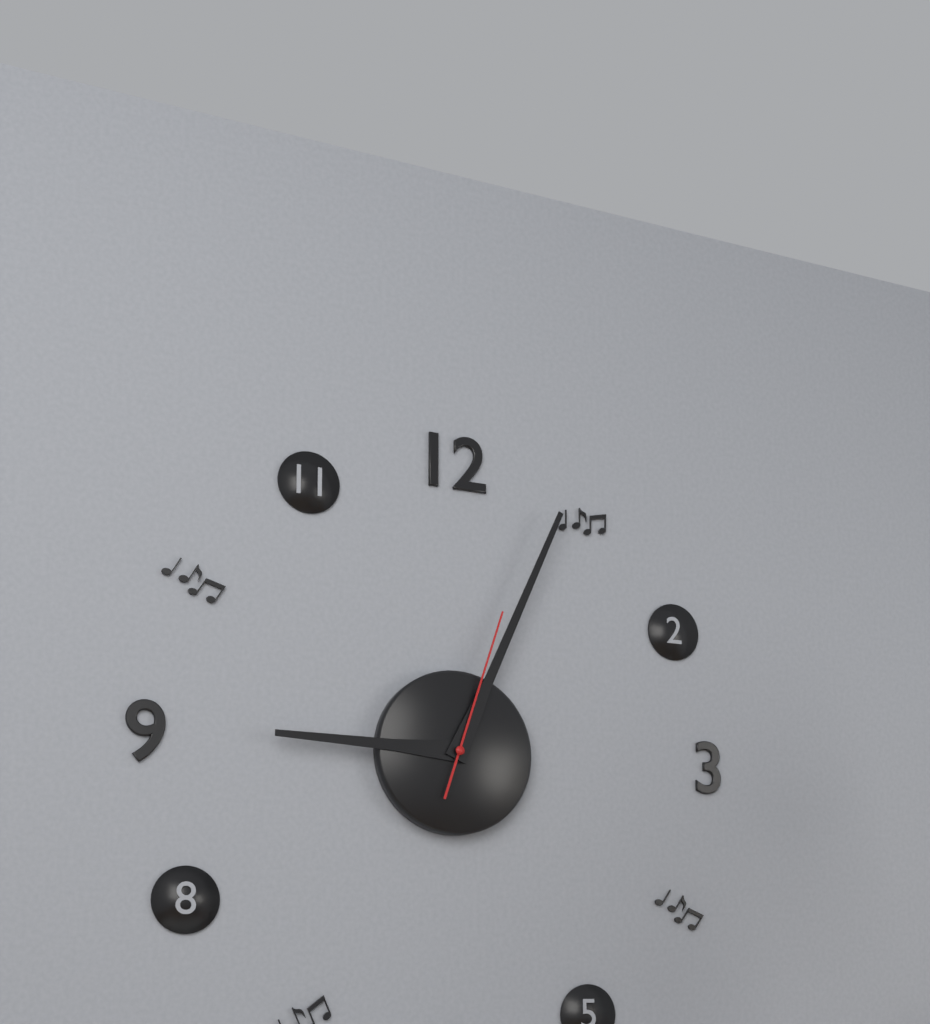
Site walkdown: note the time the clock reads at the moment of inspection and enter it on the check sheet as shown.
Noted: 9:04:03
